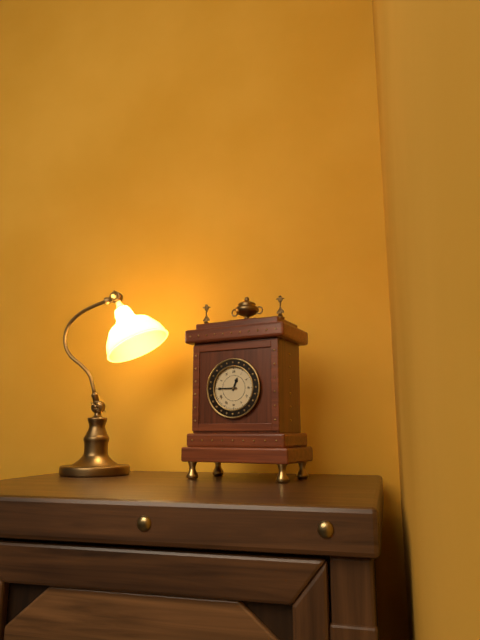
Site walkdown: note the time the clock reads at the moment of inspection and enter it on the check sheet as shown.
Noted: 12:45
